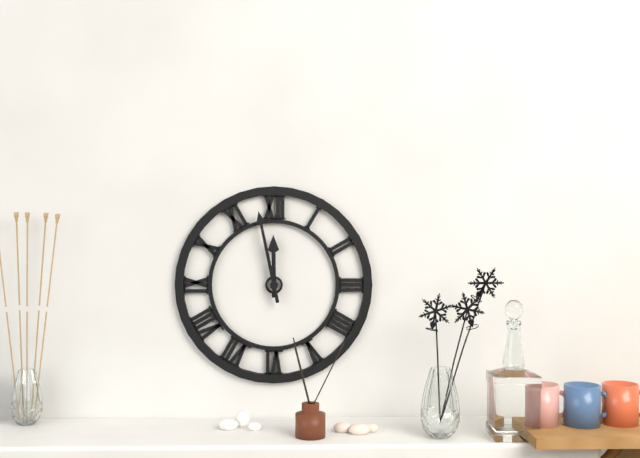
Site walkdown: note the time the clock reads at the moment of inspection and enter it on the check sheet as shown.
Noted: 11:58
